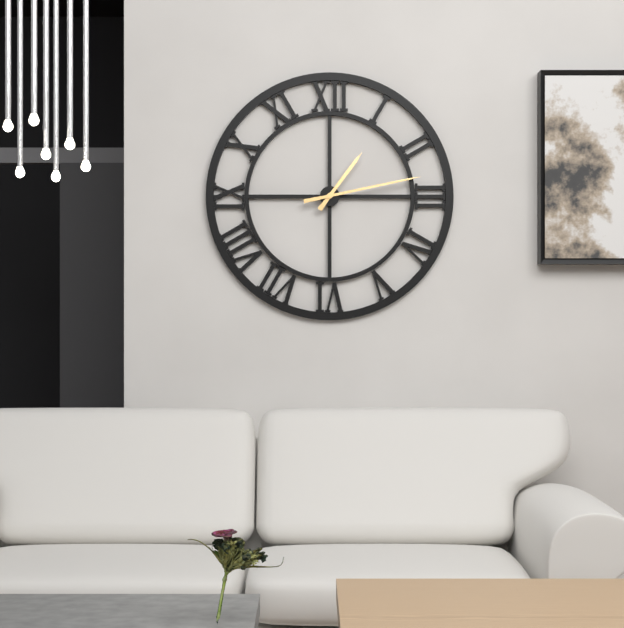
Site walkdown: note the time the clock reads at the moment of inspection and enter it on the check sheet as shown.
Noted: 1:13
